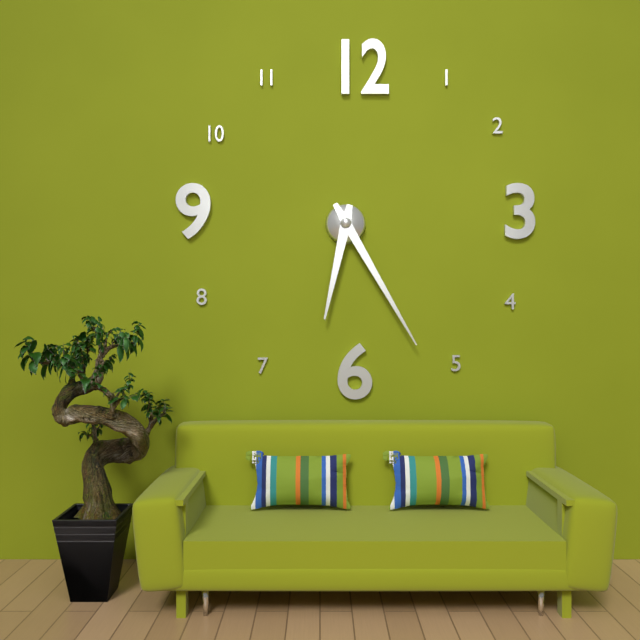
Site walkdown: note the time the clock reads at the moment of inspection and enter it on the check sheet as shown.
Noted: 6:25
